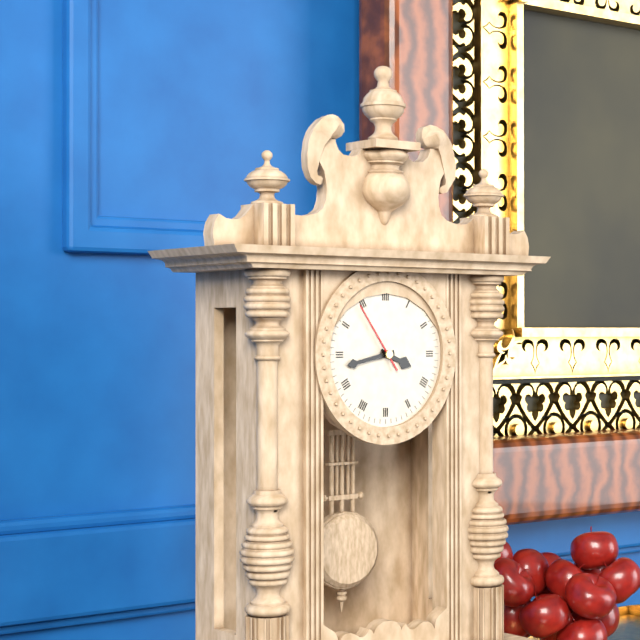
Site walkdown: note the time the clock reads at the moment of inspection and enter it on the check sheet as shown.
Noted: 3:43:54
